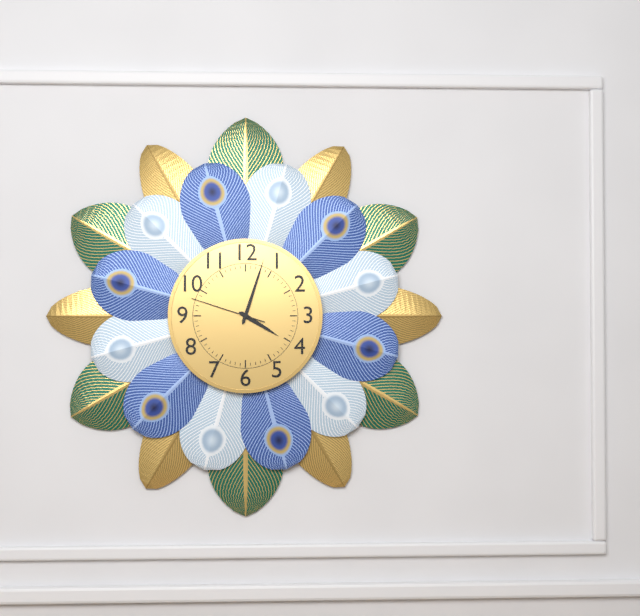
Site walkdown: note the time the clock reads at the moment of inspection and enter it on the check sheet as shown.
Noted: 4:03:48
